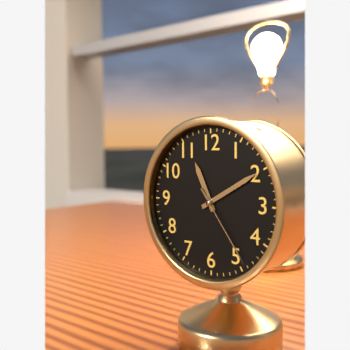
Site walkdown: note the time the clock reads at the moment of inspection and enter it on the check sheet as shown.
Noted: 11:10:24
